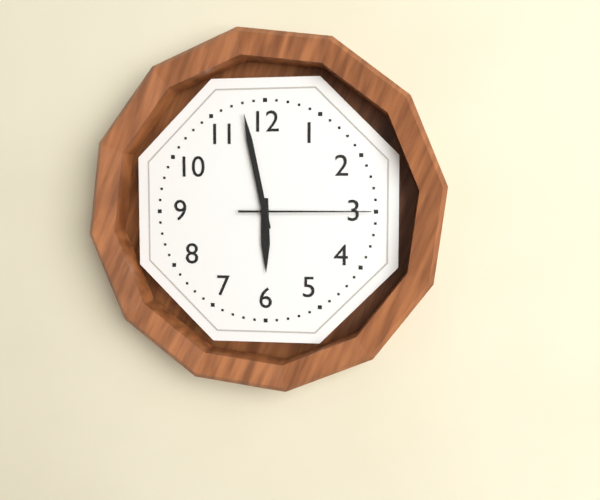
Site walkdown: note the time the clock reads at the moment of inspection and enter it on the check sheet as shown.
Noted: 5:58:15
